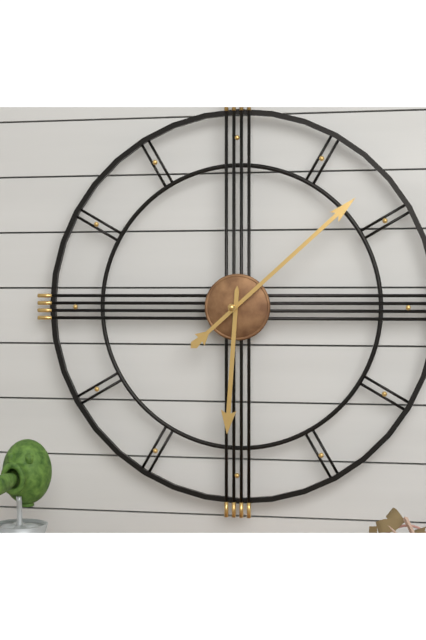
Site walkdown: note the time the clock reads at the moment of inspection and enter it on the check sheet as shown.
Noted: 6:08
